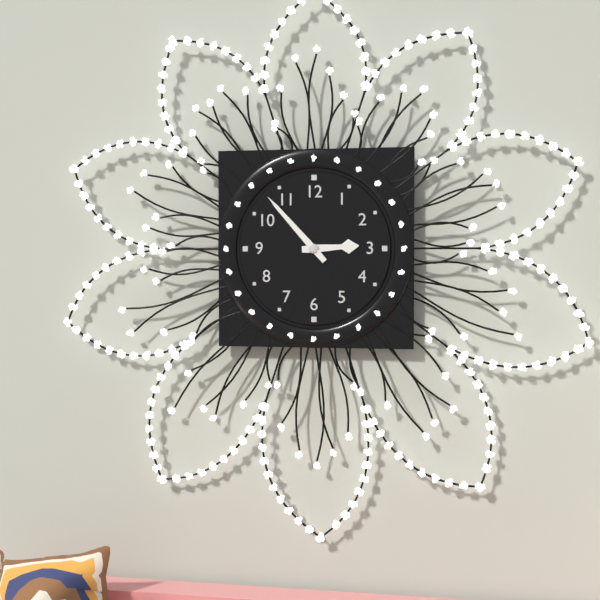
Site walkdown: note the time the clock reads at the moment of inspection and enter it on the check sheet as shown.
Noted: 2:53
